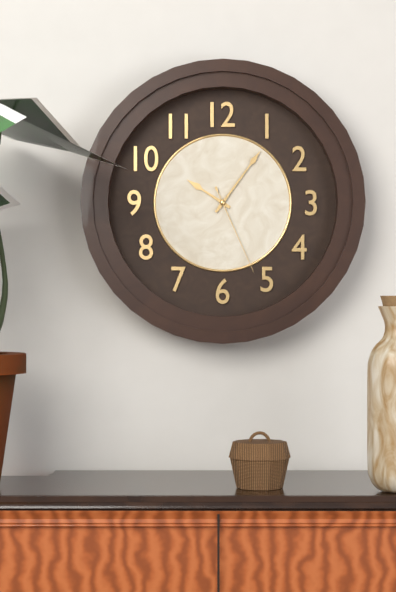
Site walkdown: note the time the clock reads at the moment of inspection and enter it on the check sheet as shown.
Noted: 10:06:26
